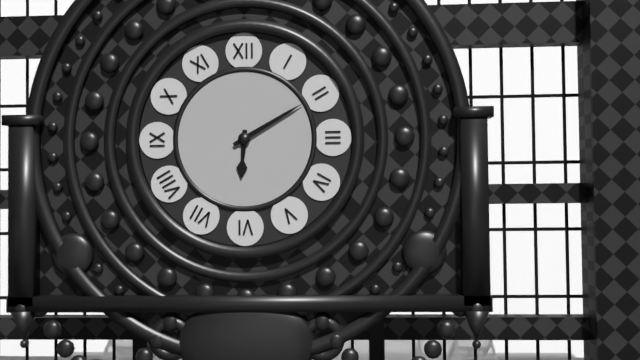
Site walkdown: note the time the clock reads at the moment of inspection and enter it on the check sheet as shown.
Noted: 6:10
